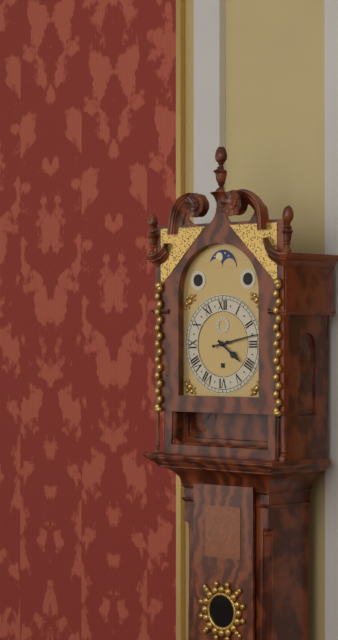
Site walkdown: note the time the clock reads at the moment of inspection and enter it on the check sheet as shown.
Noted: 4:13
